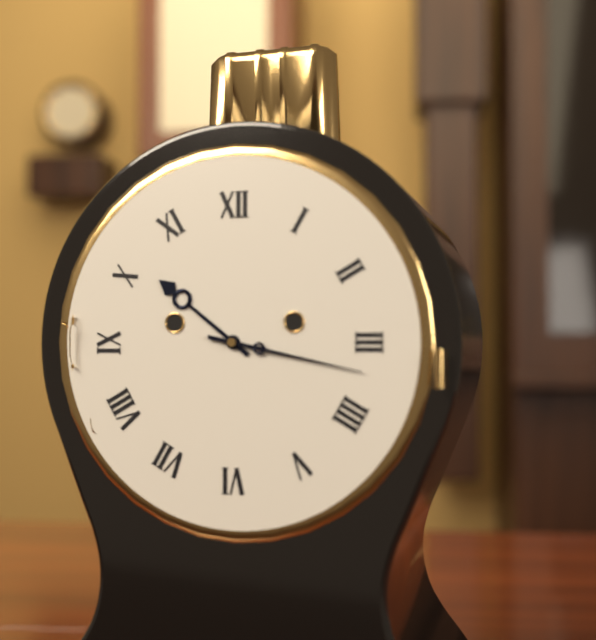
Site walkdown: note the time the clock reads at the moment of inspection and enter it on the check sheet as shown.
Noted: 10:17
